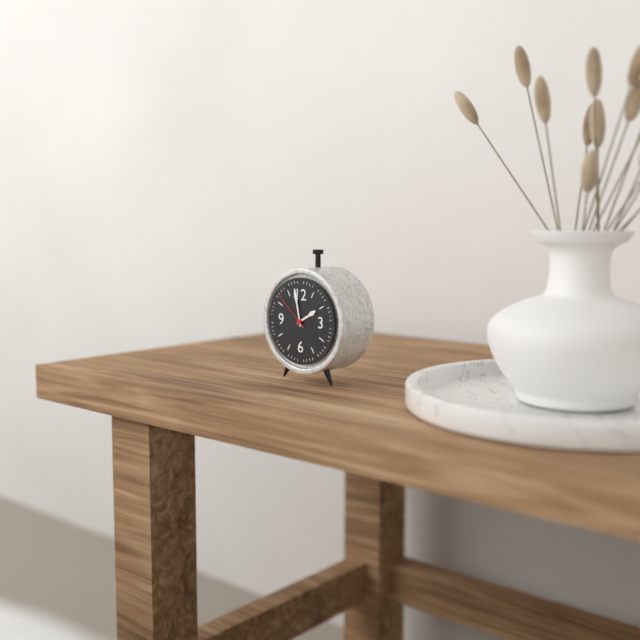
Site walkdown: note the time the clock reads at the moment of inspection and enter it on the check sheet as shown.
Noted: 1:58
